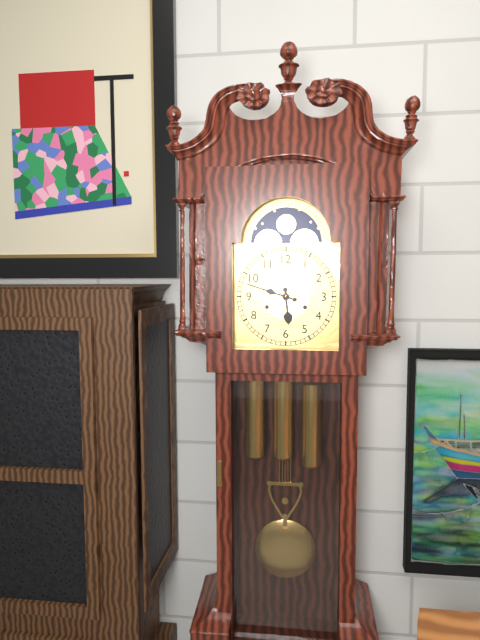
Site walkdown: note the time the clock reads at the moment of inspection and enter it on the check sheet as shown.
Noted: 5:48
